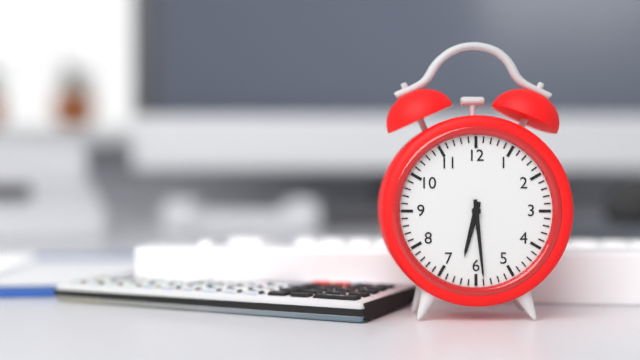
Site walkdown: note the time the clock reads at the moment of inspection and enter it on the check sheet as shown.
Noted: 6:29
